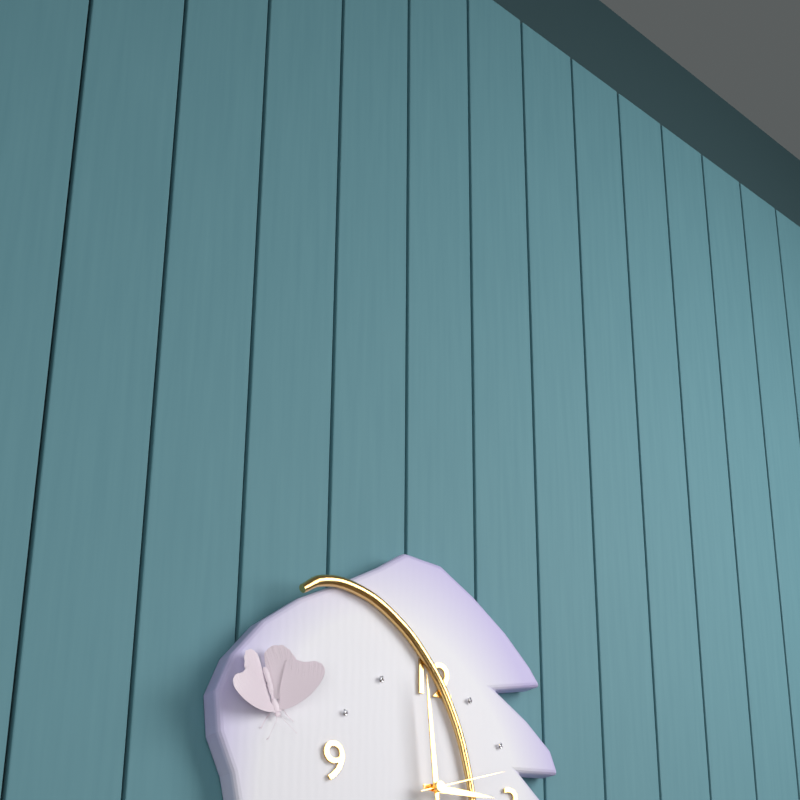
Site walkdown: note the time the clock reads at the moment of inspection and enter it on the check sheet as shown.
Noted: 2:59:12
